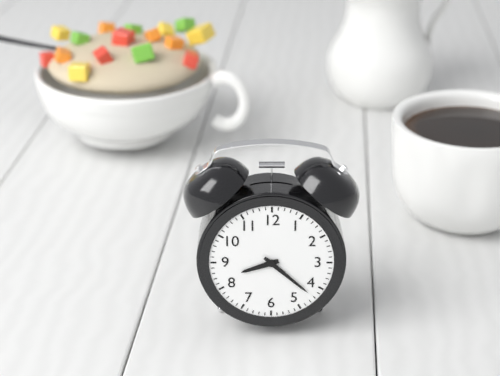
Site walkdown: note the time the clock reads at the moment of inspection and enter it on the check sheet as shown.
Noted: 8:22
